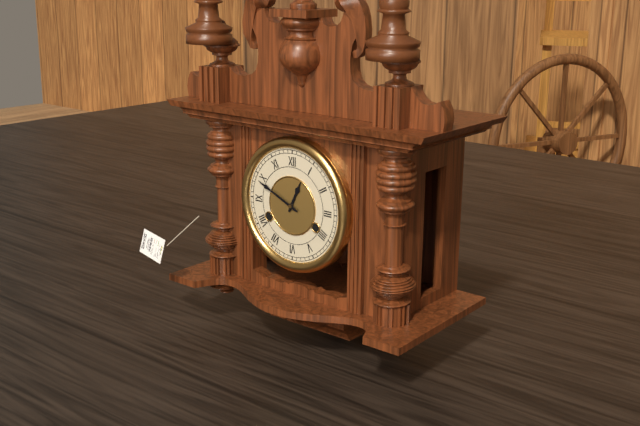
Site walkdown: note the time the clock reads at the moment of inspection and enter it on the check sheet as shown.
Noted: 12:49
